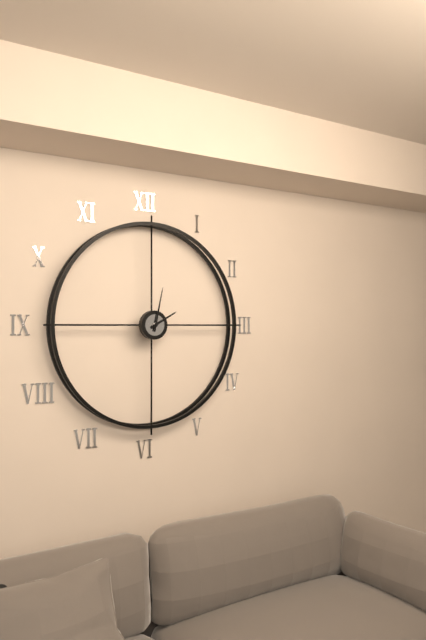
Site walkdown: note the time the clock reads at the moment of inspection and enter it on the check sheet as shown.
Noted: 2:02
